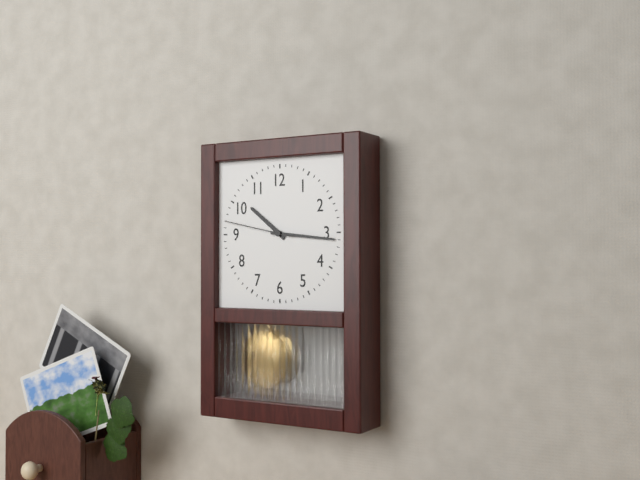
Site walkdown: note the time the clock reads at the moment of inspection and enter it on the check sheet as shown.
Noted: 10:16:47
